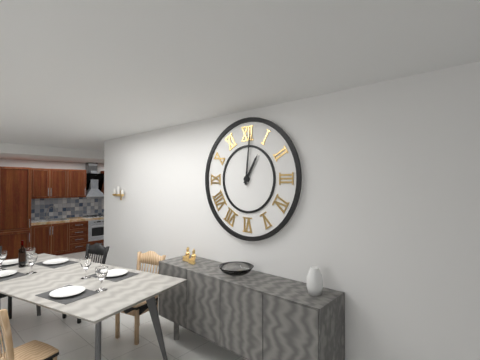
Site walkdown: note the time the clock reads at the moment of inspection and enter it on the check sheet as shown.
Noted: 1:01
